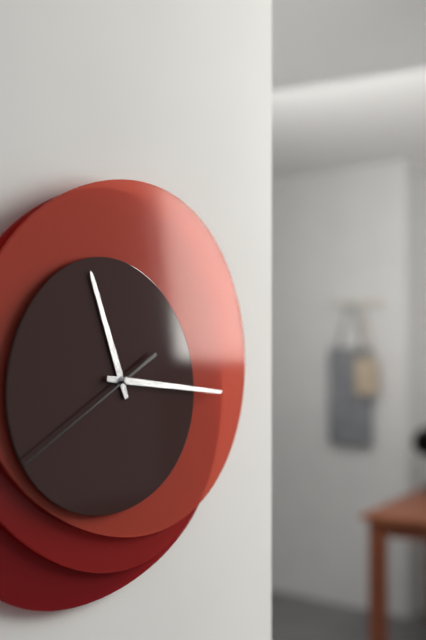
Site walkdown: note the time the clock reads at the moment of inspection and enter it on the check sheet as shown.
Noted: 11:16:40
